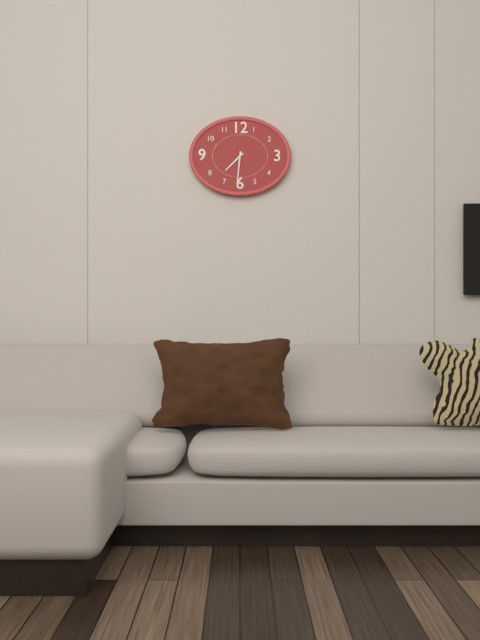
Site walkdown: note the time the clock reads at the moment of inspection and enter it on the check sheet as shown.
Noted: 7:31
